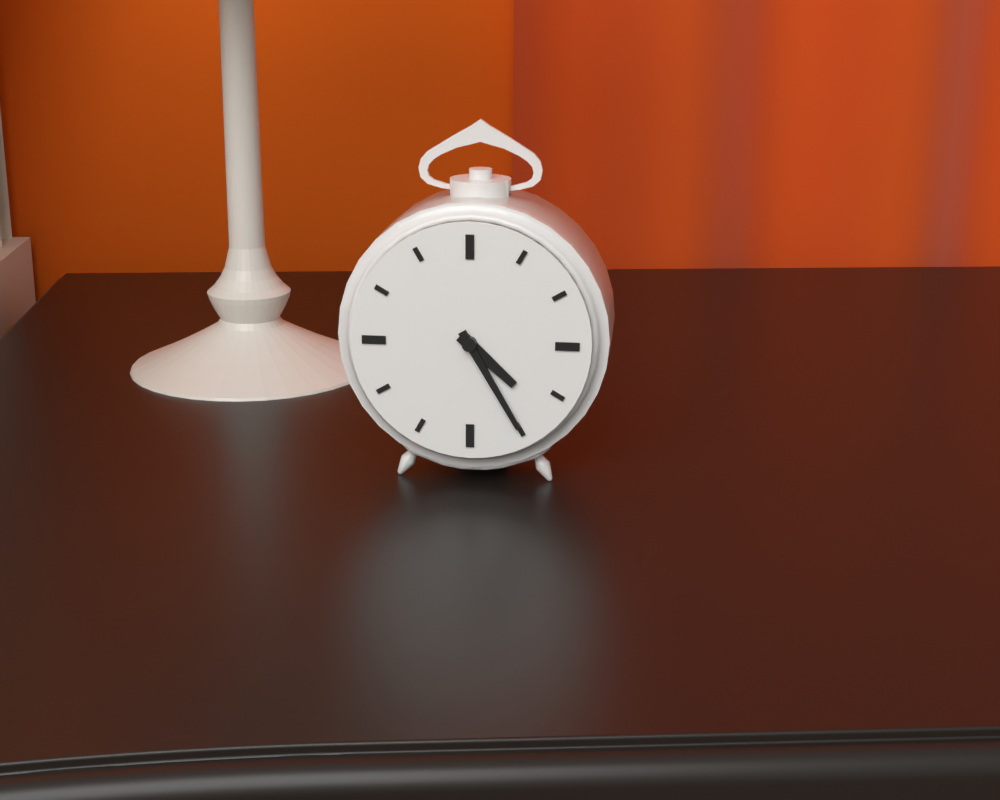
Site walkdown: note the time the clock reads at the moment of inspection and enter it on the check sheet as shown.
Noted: 4:25
